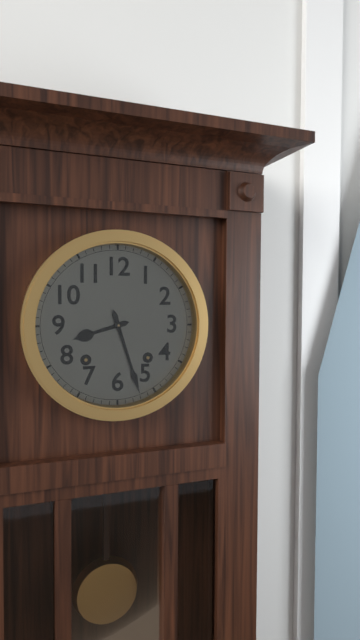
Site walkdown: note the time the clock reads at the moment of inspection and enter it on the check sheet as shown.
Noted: 8:27
